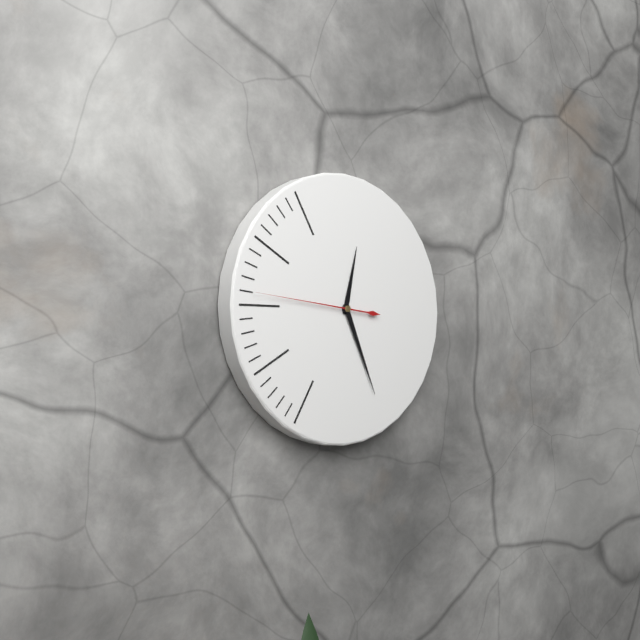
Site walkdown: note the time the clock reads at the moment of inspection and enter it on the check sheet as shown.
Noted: 12:26:46
